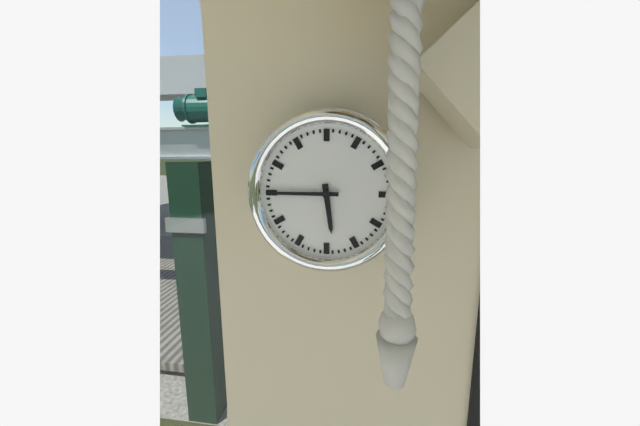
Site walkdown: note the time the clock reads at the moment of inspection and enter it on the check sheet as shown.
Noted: 5:45
